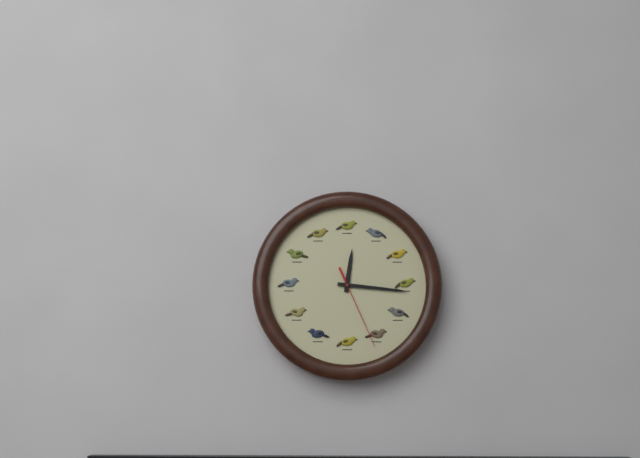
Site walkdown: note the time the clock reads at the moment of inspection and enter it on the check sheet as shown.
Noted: 12:16:26
